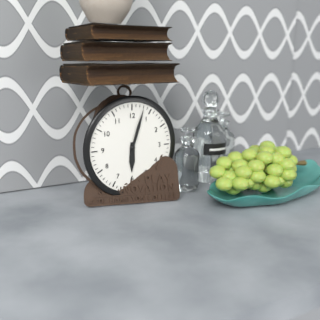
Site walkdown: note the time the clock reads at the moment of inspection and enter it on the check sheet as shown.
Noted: 6:03
